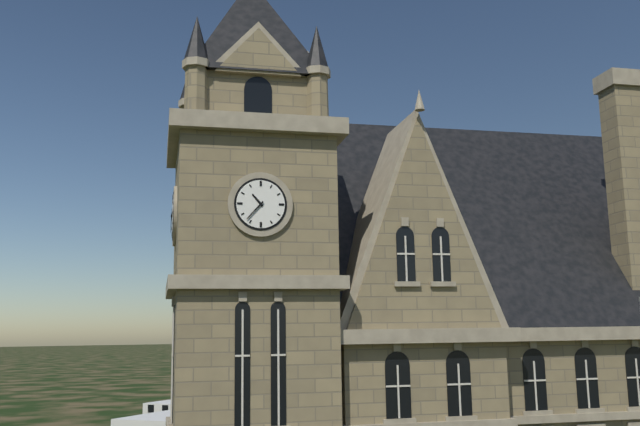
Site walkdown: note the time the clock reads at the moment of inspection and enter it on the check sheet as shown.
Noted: 10:37
